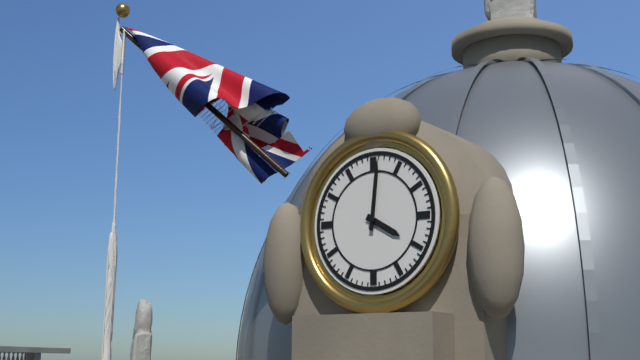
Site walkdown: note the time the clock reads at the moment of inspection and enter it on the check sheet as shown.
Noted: 4:01
